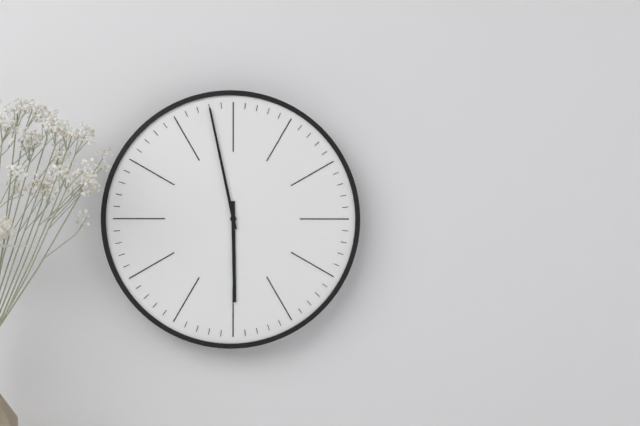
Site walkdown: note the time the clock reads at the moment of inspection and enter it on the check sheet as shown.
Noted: 5:58
